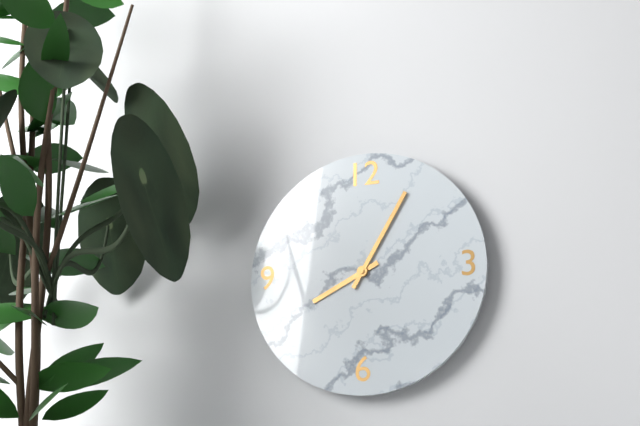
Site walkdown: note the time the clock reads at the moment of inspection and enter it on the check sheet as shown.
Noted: 8:05
